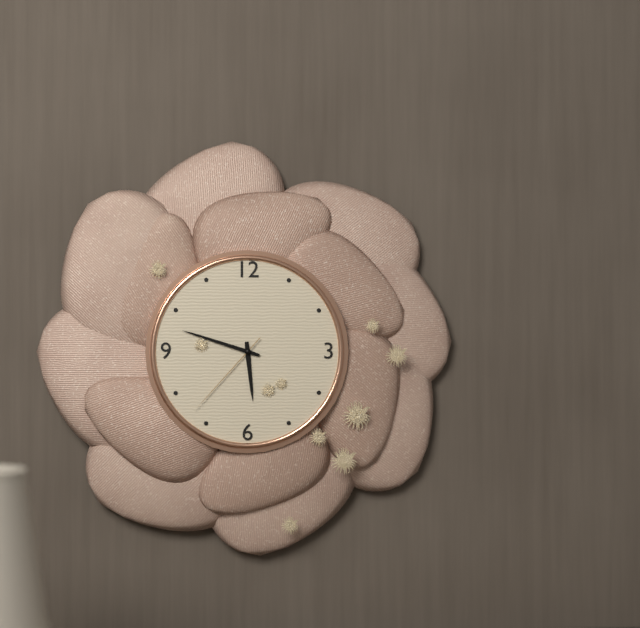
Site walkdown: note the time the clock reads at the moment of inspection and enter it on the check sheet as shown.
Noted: 5:48:37
